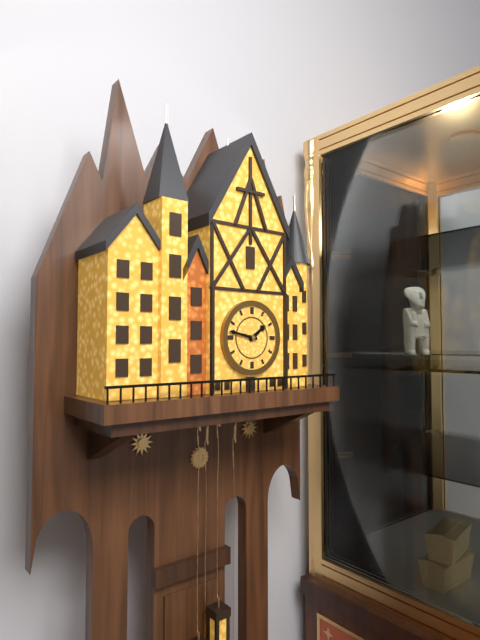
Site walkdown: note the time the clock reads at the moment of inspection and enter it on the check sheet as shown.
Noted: 1:47
